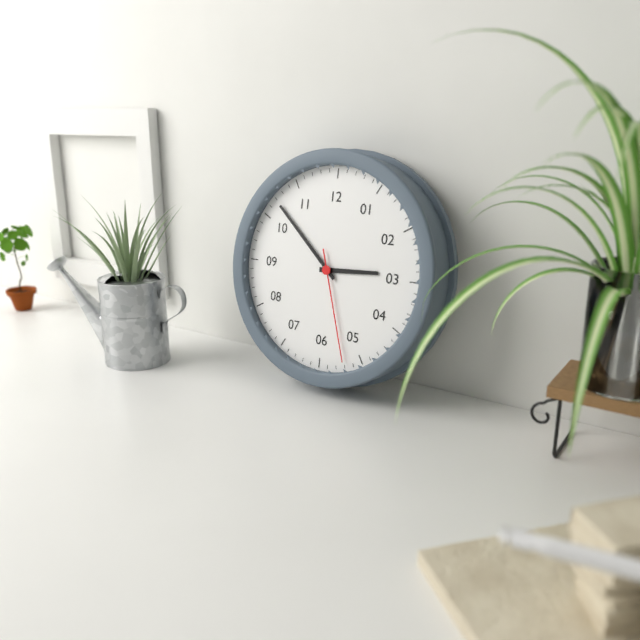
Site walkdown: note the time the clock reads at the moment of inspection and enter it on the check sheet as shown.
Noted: 2:52:27
